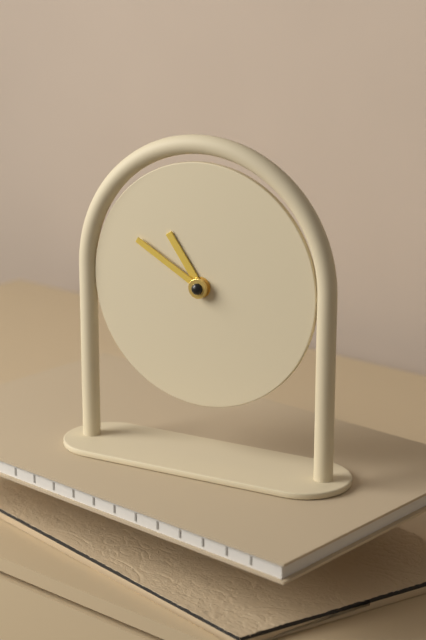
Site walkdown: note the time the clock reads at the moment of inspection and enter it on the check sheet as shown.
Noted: 10:50
